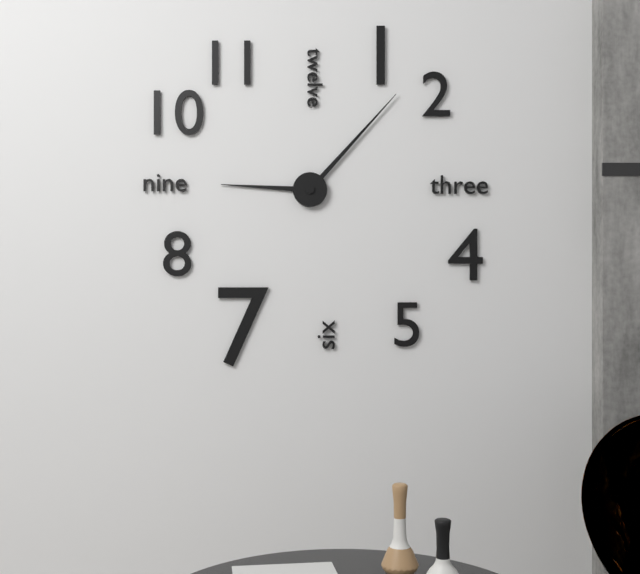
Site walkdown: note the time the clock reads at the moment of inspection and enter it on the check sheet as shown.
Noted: 9:07
